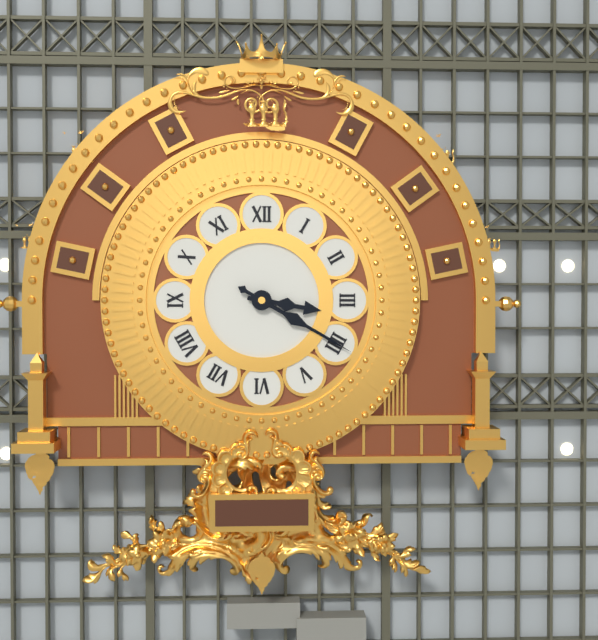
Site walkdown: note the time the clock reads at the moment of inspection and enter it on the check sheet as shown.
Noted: 3:20
